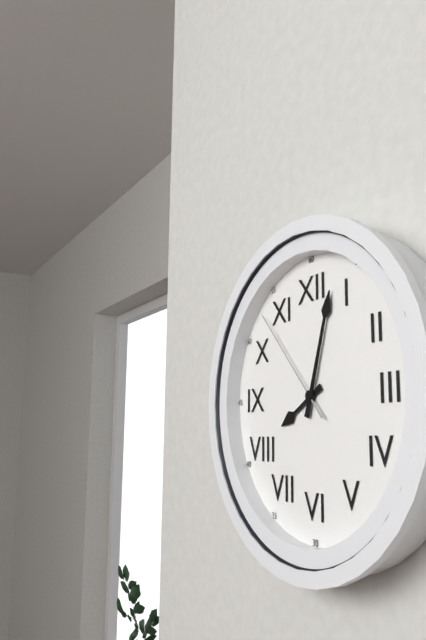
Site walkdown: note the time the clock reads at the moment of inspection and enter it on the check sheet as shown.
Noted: 8:03:53
